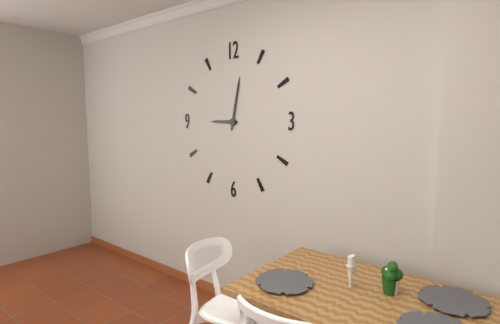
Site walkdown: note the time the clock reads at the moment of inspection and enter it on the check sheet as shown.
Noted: 9:02
